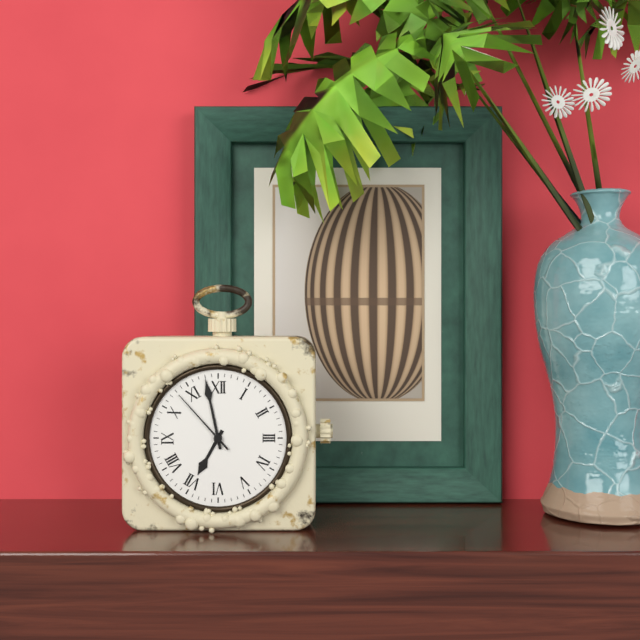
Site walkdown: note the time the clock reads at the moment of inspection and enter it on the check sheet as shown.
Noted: 6:58:53
